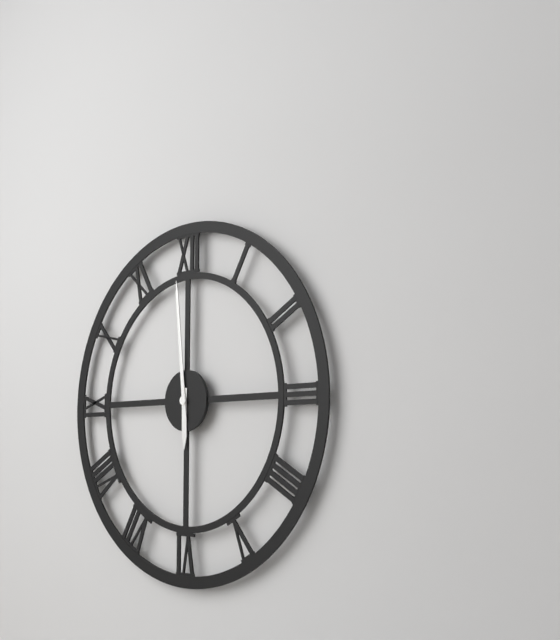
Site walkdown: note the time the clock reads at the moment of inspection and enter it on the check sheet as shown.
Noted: 5:59
